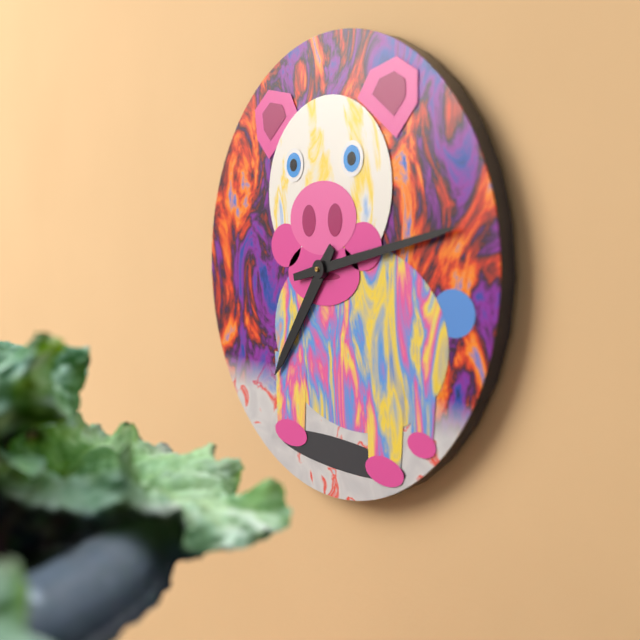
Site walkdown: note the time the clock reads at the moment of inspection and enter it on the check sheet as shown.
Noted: 7:13
